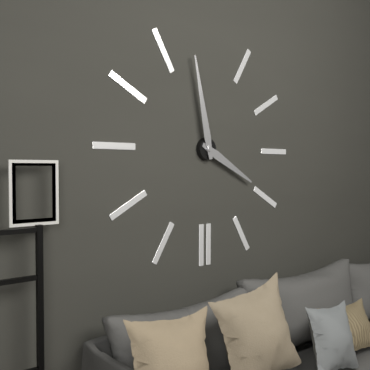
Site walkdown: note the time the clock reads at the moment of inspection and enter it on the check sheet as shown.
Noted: 3:58
